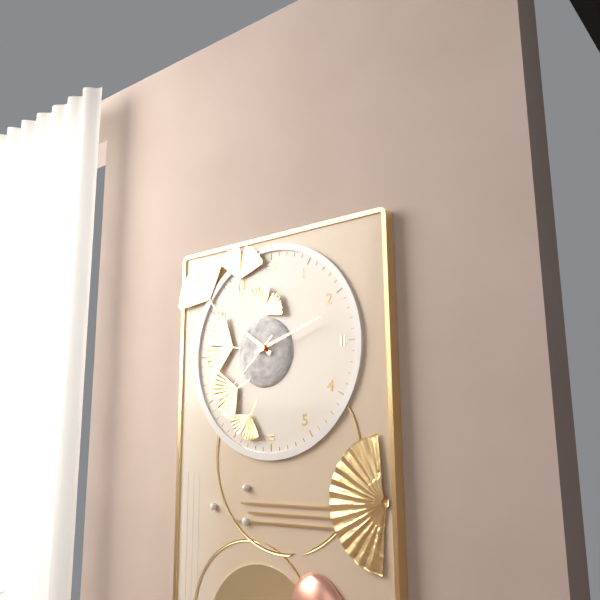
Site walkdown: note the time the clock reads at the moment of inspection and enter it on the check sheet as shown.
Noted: 10:12:38
